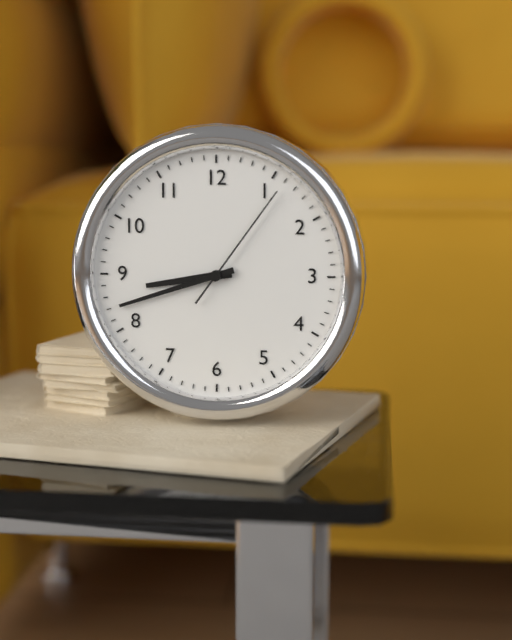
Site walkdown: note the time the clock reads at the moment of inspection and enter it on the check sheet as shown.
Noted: 8:42:06
